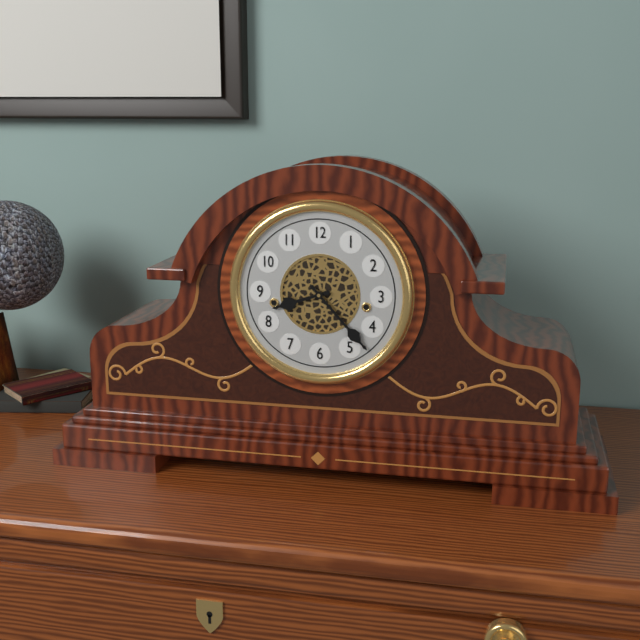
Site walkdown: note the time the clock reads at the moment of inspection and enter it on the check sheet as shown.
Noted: 8:23
